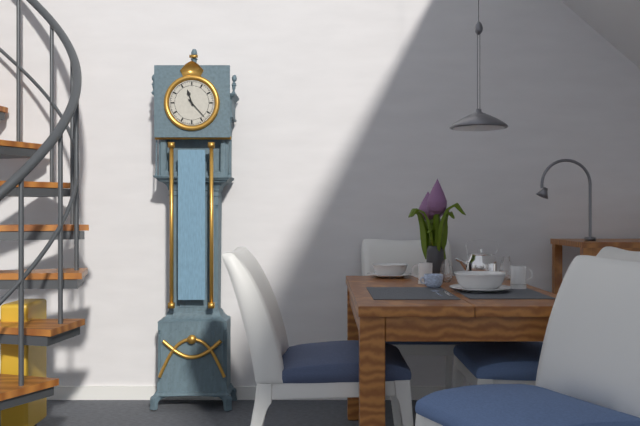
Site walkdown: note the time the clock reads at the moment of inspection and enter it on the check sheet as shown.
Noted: 11:23
